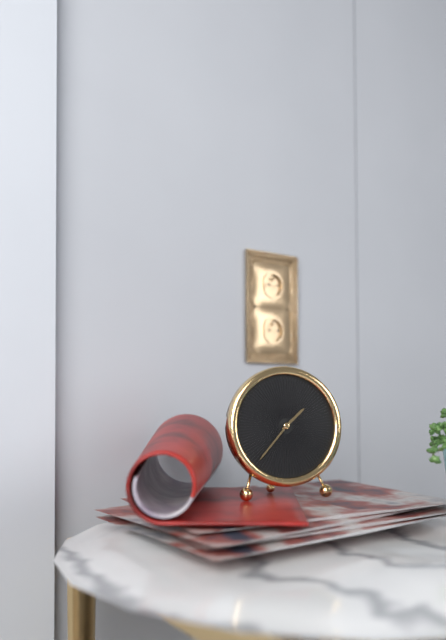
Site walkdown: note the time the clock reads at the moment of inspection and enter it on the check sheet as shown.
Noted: 1:37
